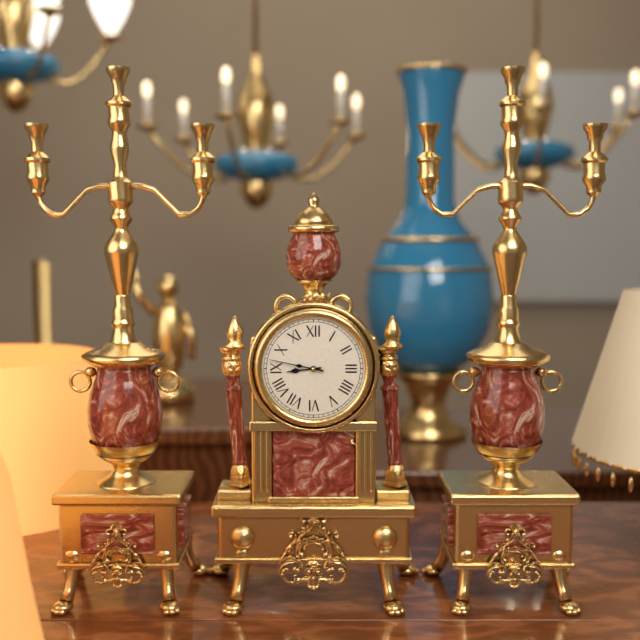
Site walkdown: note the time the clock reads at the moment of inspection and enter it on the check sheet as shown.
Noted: 8:47
